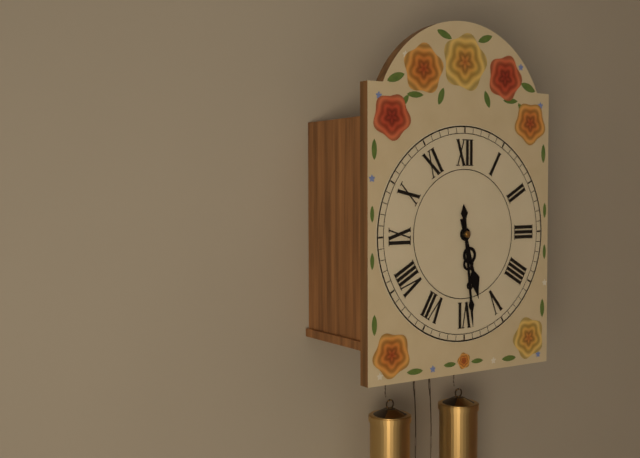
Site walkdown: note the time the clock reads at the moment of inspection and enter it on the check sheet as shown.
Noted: 5:29
